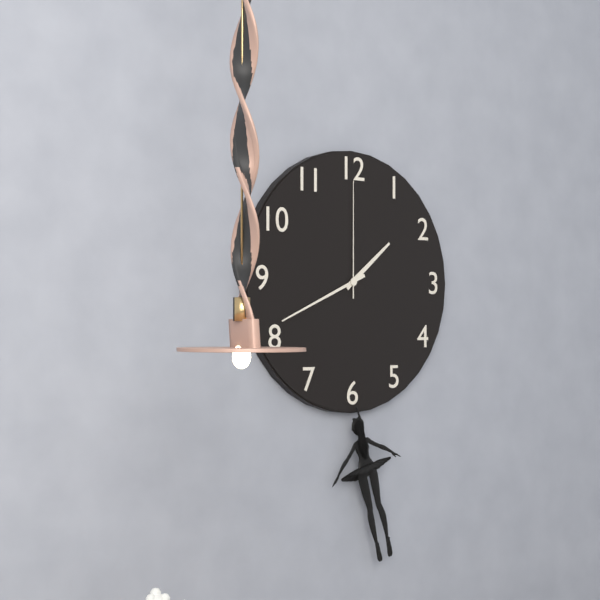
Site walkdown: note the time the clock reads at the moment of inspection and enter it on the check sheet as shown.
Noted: 1:41:00
